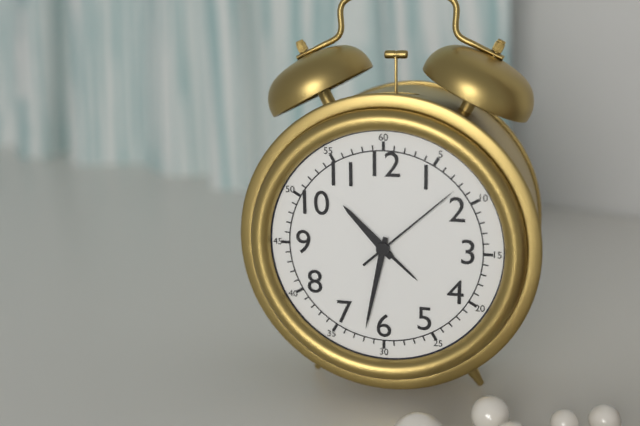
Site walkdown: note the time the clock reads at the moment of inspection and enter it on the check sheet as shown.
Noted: 10:32:08
